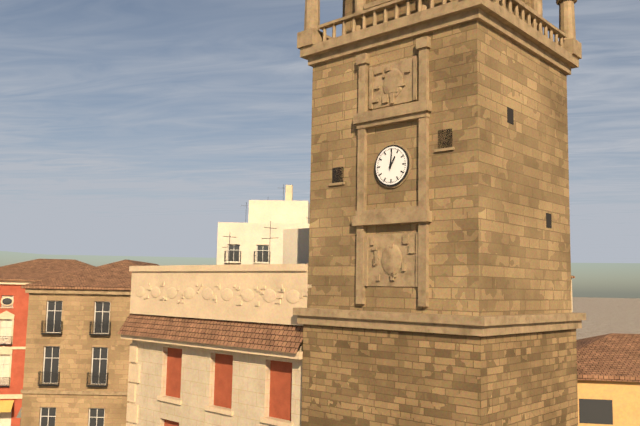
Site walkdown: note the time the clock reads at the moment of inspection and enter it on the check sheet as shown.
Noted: 1:01
